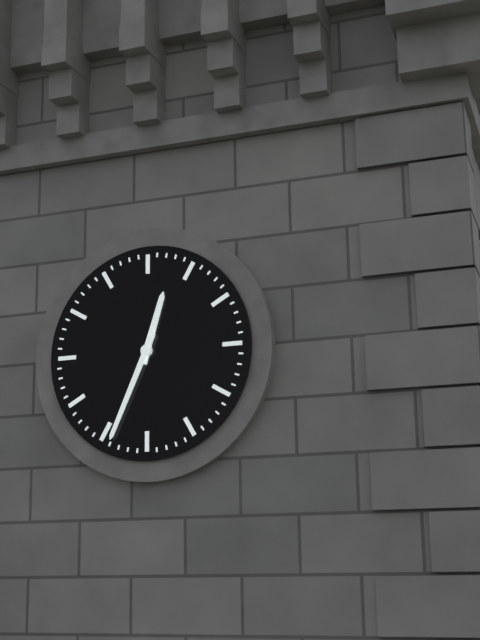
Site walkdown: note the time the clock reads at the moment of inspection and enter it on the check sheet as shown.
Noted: 12:34
